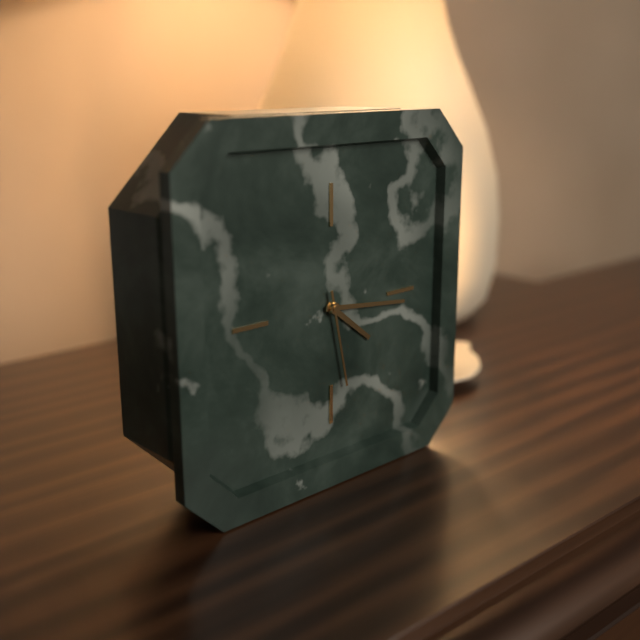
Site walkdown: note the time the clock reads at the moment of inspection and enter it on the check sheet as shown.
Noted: 4:16:28
